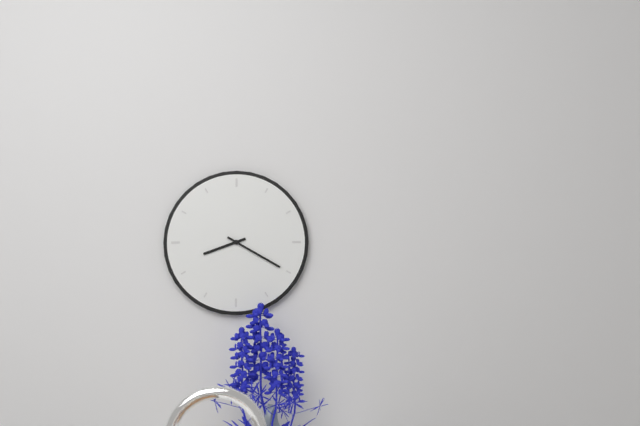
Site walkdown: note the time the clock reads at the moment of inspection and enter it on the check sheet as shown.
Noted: 8:20
